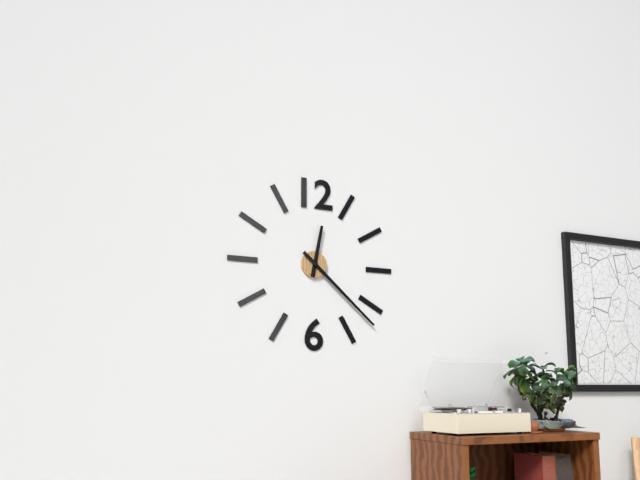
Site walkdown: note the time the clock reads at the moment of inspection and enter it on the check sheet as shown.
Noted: 12:22
